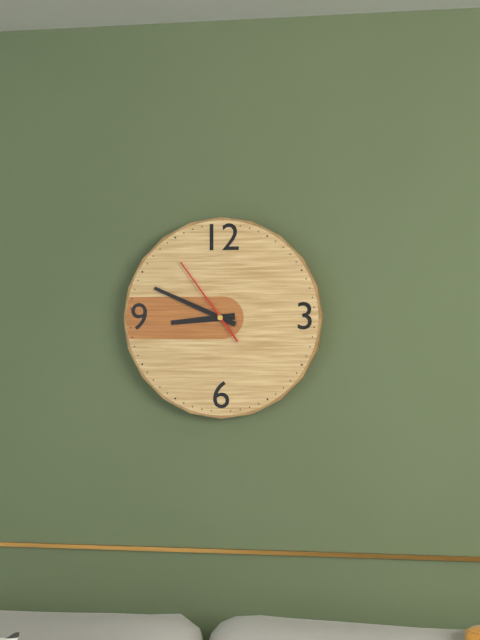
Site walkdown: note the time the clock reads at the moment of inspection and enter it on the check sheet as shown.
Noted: 8:49:54
